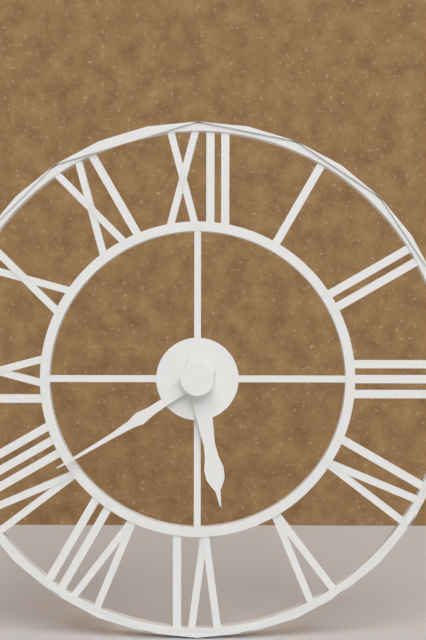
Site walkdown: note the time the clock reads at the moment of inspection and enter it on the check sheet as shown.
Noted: 5:39
